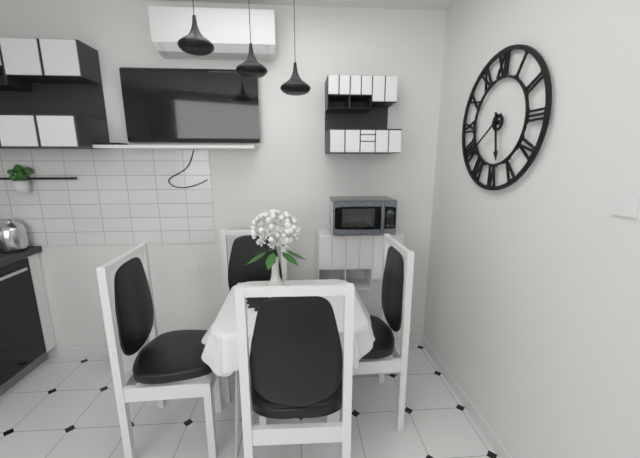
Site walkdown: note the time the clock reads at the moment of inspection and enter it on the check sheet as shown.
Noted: 5:39
